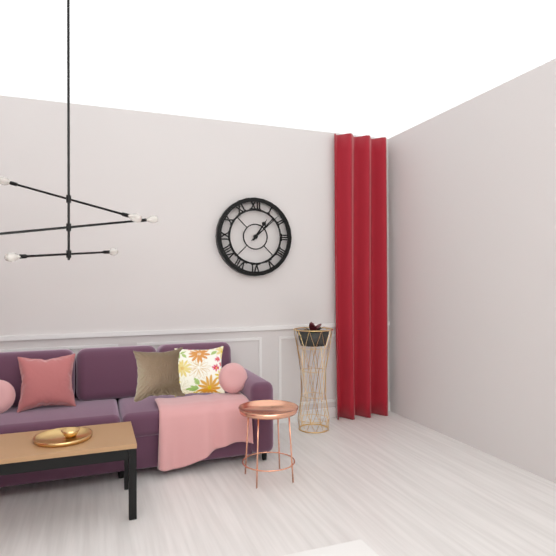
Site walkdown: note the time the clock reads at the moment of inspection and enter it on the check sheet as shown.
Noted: 1:08
